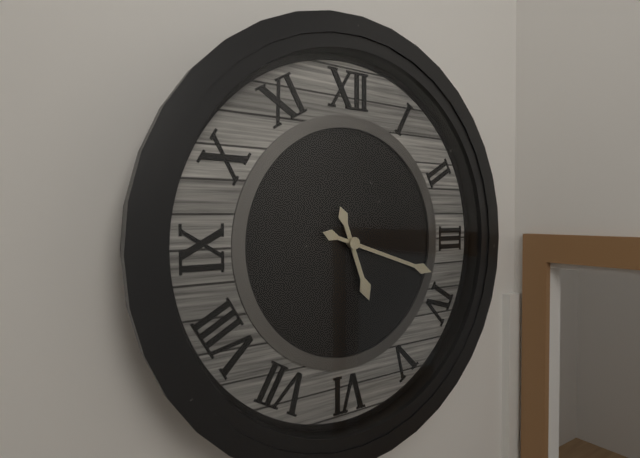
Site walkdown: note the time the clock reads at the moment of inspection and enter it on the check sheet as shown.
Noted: 5:18
